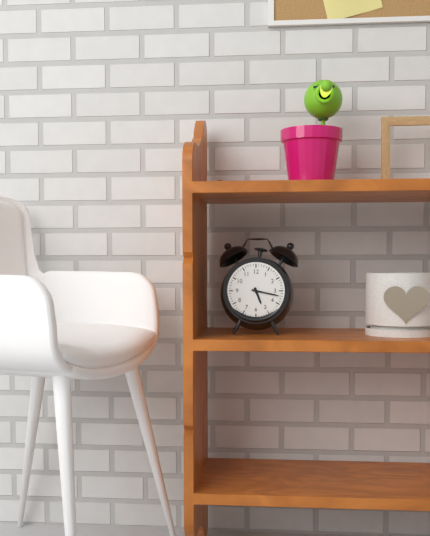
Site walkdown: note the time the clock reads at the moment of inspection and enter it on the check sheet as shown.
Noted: 5:17
